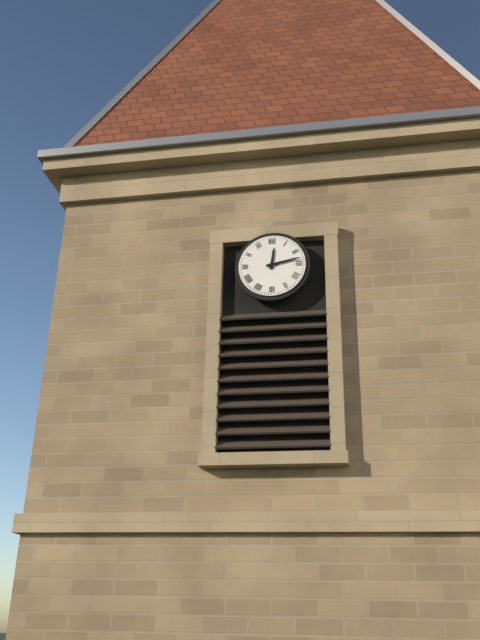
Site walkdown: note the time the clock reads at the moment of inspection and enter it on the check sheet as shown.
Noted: 12:13
